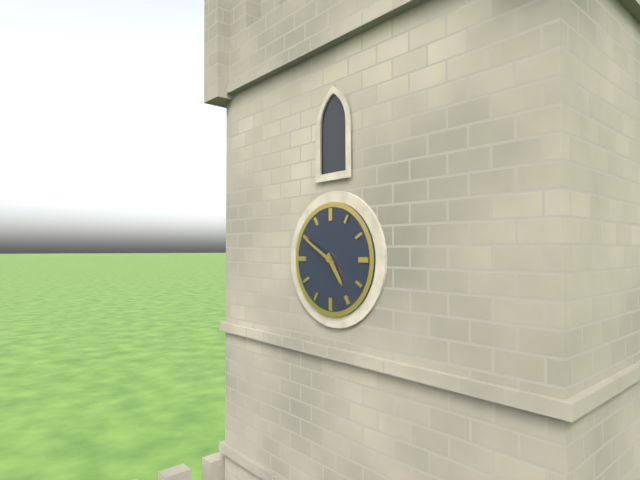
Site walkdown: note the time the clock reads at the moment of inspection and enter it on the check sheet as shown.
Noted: 4:50
